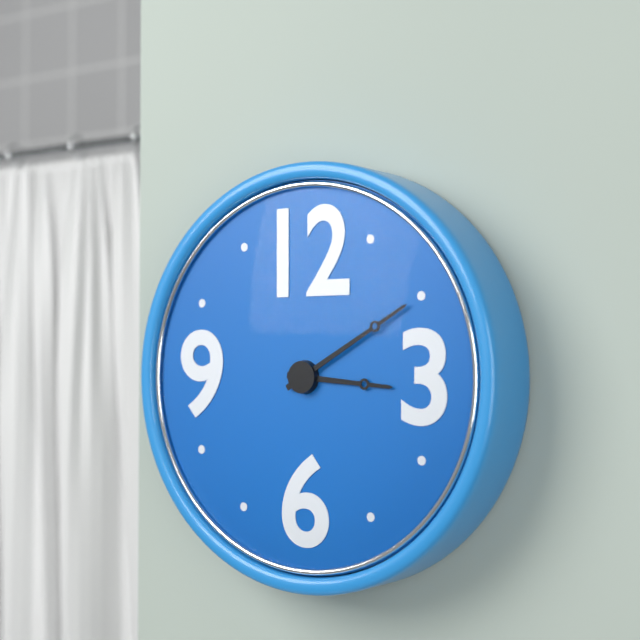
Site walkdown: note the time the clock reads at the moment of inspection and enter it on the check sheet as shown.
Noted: 3:10
